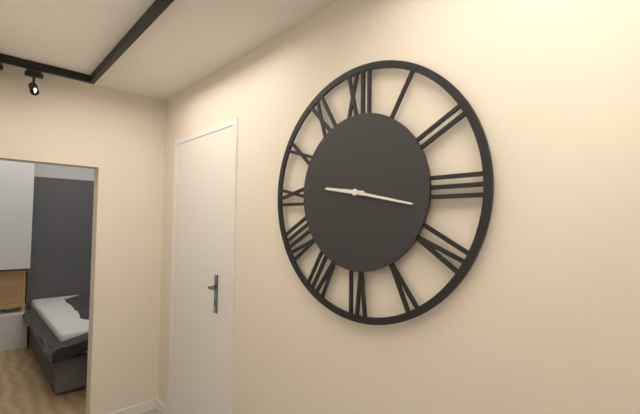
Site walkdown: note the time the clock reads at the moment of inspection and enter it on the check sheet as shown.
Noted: 9:17
